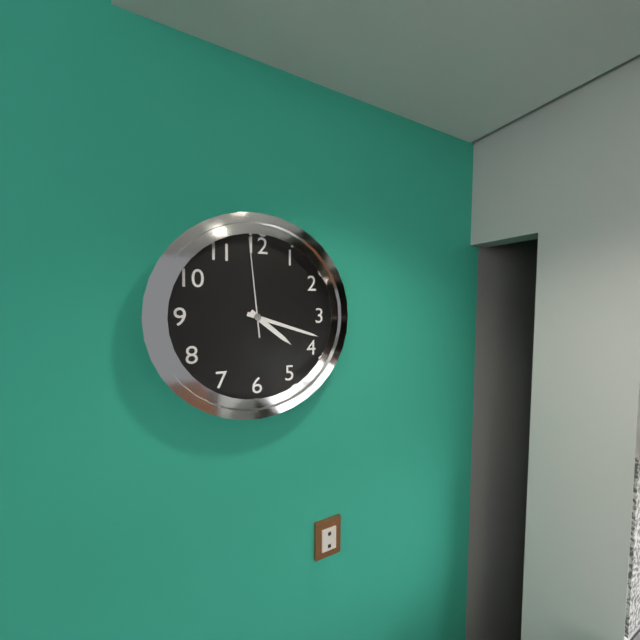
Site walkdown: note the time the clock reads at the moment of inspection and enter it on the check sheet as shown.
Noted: 4:18:59
